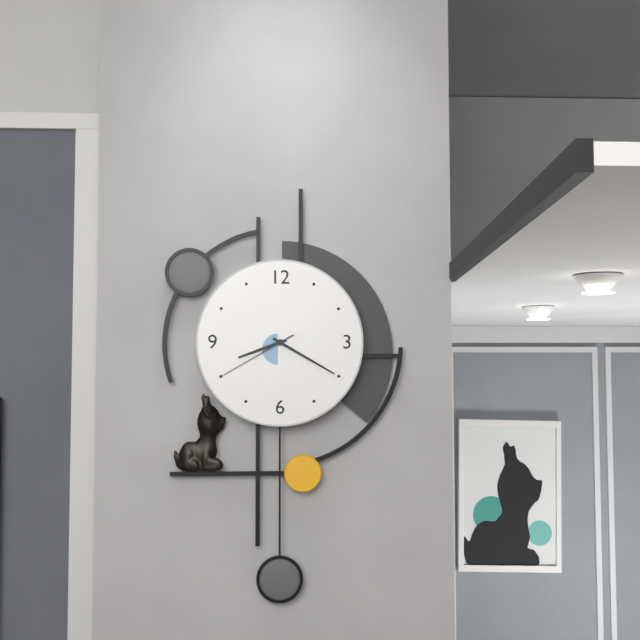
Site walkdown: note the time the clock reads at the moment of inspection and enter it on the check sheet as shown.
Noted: 8:20:40
